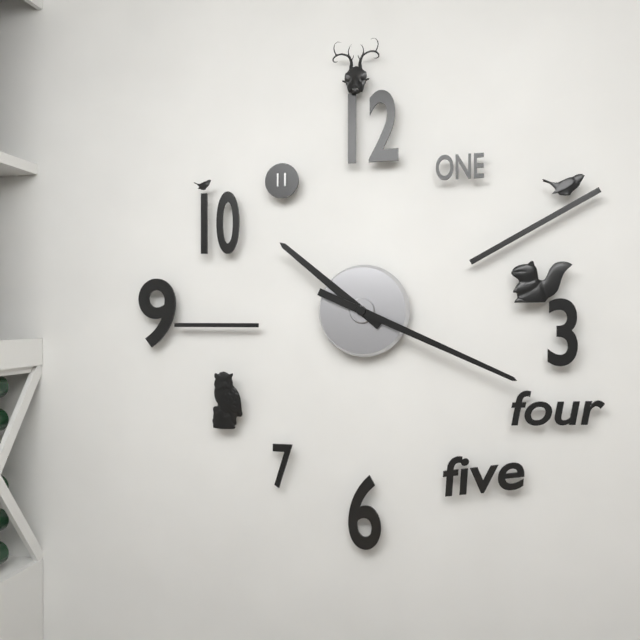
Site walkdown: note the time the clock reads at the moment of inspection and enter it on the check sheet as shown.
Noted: 10:19
